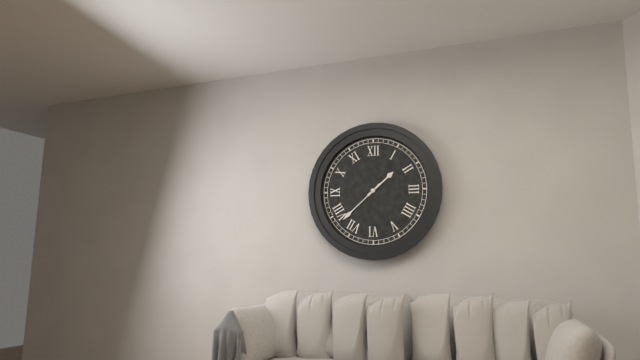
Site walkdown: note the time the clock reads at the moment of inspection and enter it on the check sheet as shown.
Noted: 1:38
